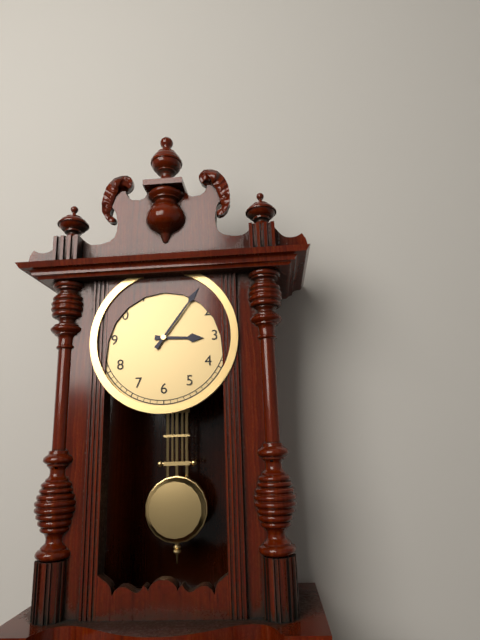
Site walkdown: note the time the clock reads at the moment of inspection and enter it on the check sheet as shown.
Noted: 3:06
